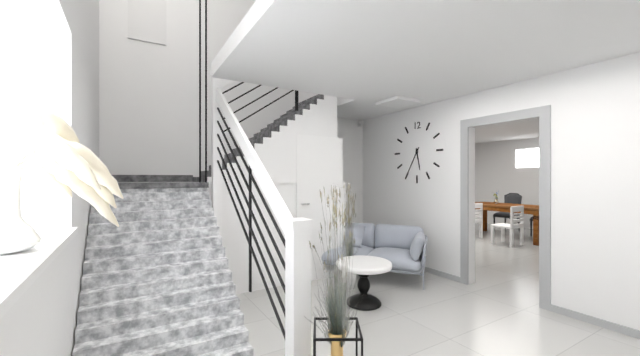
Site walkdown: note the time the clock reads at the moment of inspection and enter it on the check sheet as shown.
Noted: 5:35
